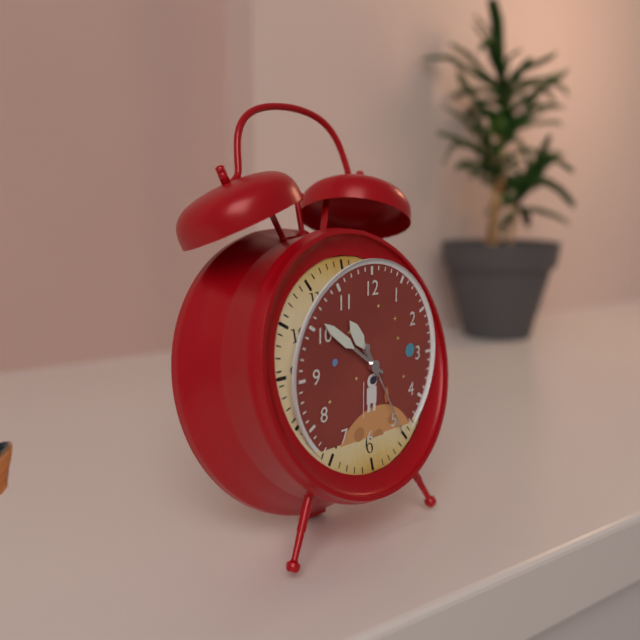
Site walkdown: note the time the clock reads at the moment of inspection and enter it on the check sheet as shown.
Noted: 10:51:25
